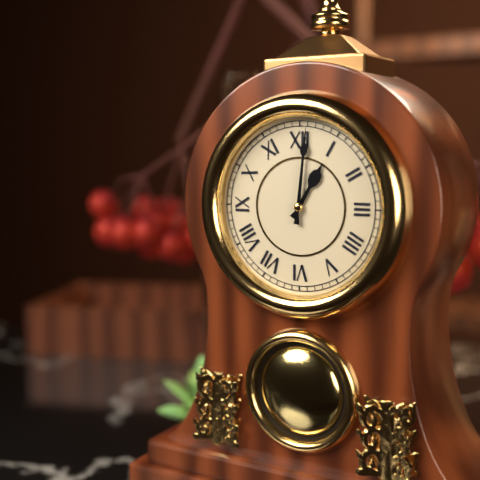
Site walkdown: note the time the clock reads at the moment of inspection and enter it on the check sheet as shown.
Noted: 1:01
